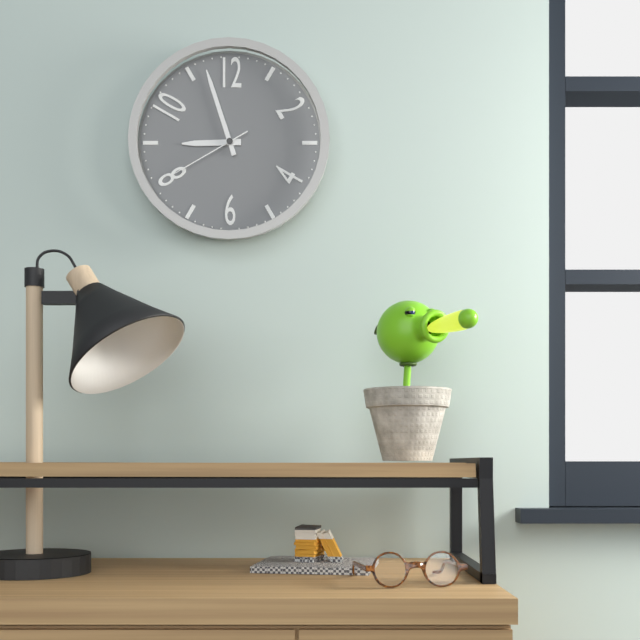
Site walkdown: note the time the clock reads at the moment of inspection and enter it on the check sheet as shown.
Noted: 8:57:40
